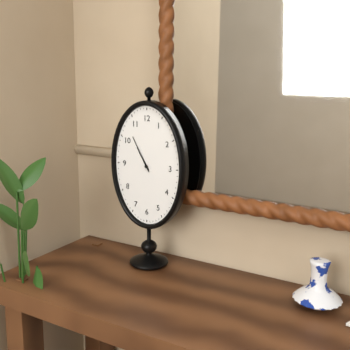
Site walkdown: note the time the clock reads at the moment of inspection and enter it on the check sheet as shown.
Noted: 10:55
